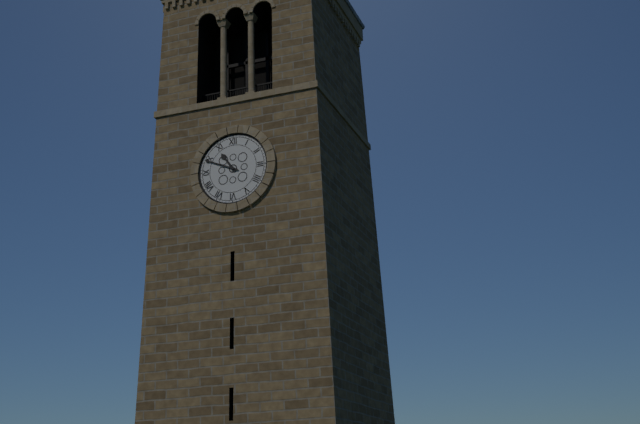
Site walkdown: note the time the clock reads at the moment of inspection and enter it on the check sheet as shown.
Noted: 10:49
